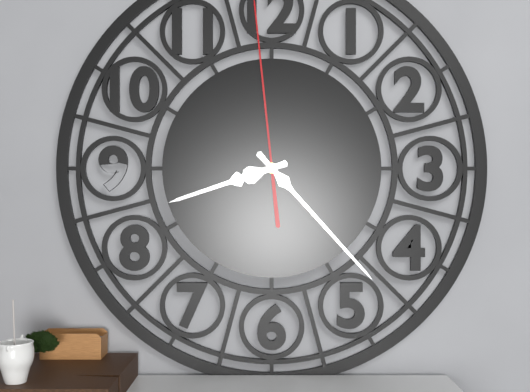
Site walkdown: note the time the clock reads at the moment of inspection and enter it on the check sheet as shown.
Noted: 8:23
